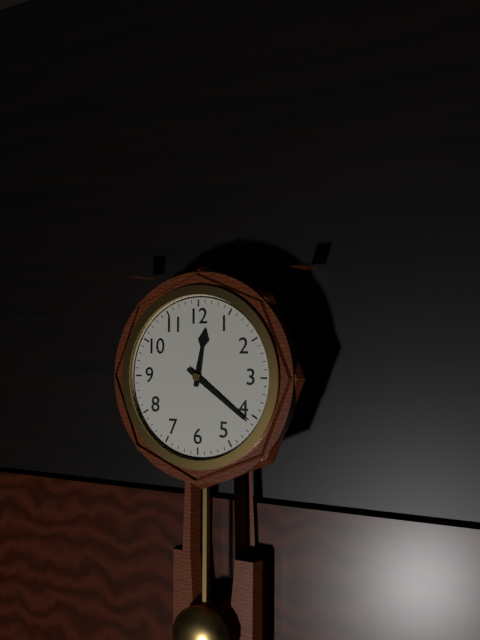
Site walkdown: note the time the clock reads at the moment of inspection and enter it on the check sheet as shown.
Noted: 12:21
